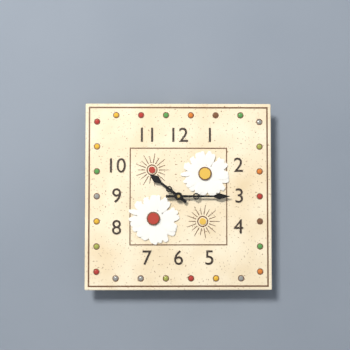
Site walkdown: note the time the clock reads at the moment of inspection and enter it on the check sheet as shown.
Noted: 10:15
